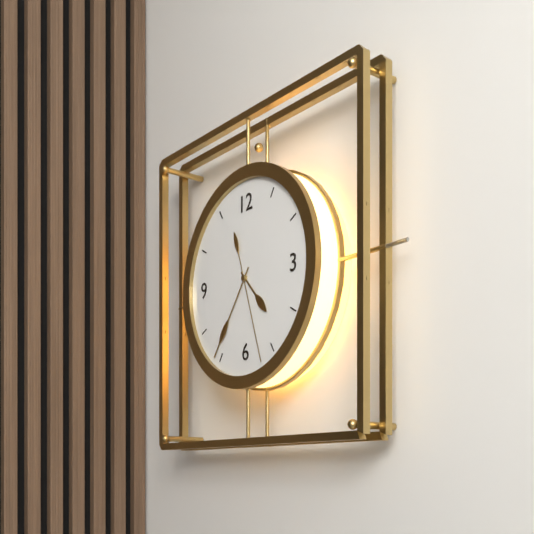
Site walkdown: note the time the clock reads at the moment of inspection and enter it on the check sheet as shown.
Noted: 4:36:27
